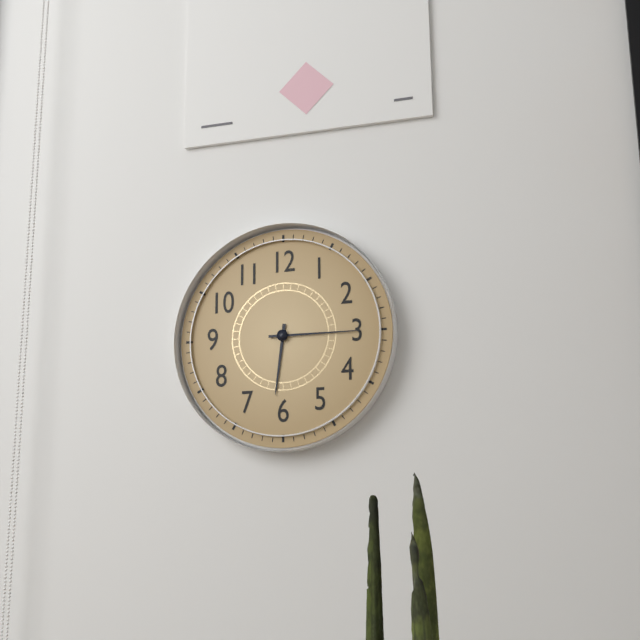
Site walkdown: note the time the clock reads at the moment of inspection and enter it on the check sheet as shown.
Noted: 6:15
